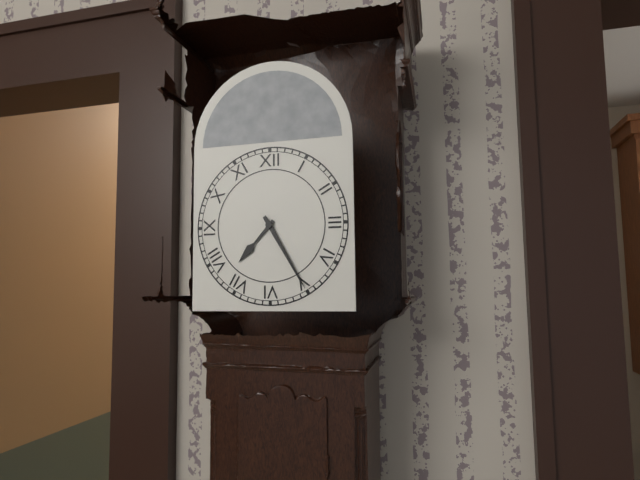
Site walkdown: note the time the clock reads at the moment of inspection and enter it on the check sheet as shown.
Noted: 7:25
